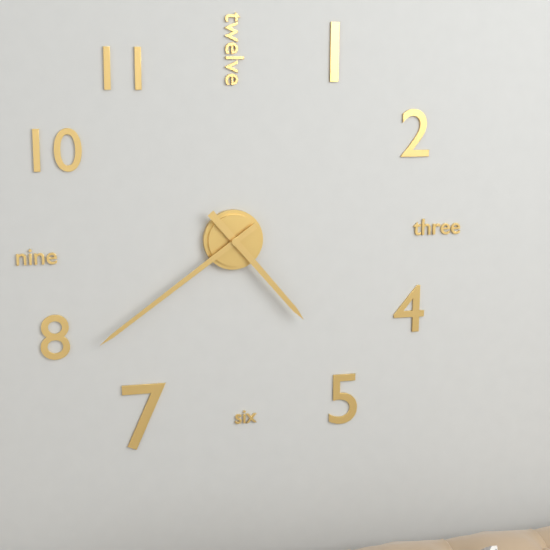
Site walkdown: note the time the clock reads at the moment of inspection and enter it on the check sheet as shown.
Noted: 4:39
